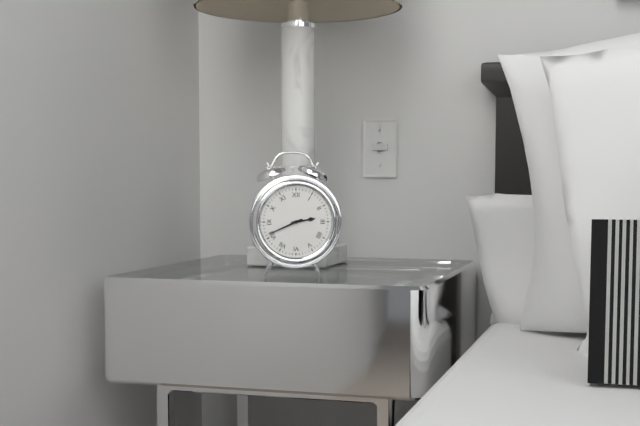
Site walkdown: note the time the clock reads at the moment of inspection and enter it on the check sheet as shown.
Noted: 2:41
